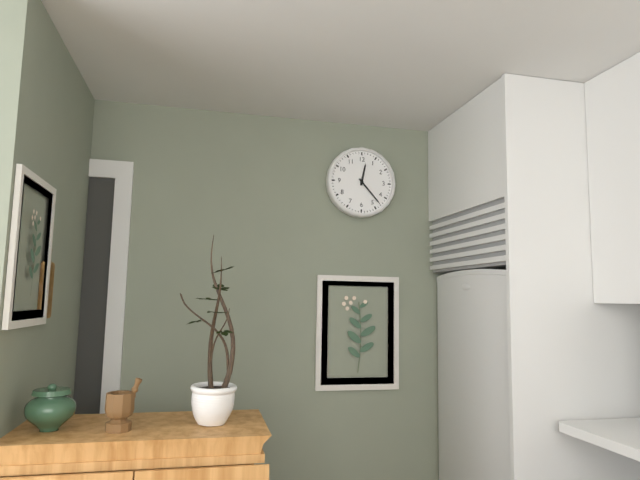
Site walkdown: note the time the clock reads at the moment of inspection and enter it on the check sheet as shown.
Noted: 12:23
